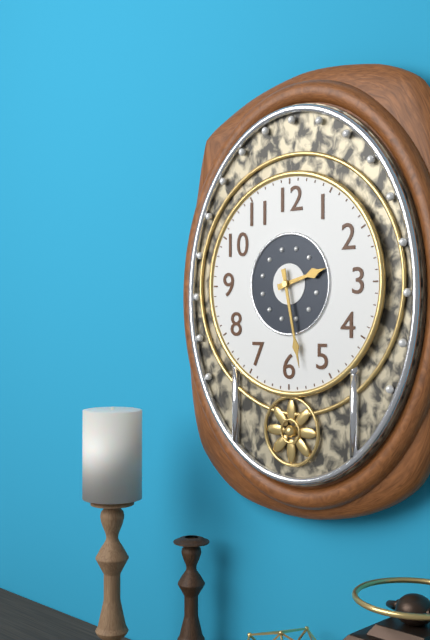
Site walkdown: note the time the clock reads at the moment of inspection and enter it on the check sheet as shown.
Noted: 2:28
